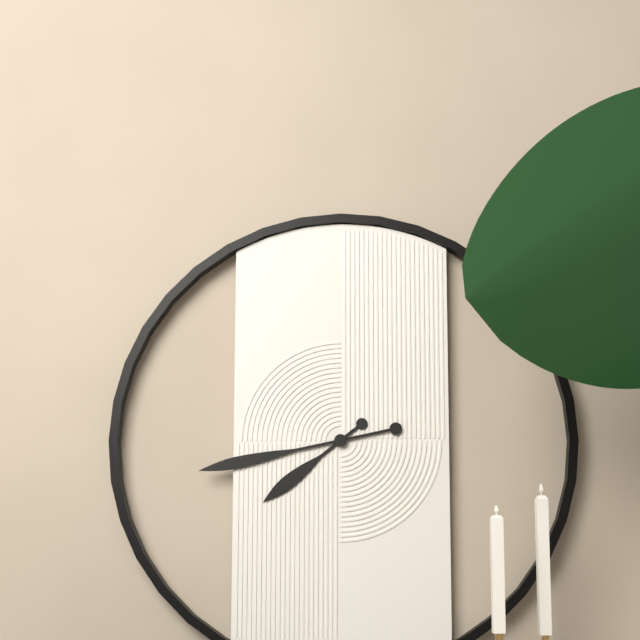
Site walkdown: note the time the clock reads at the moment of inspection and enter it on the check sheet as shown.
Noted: 7:43
